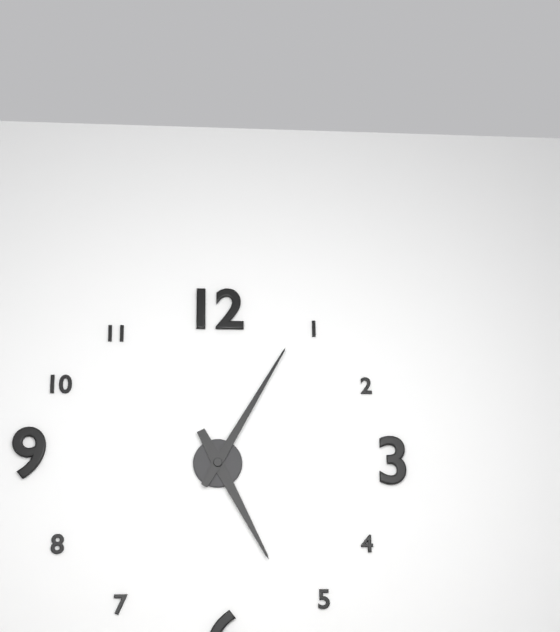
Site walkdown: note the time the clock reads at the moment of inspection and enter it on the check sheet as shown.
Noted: 5:05
